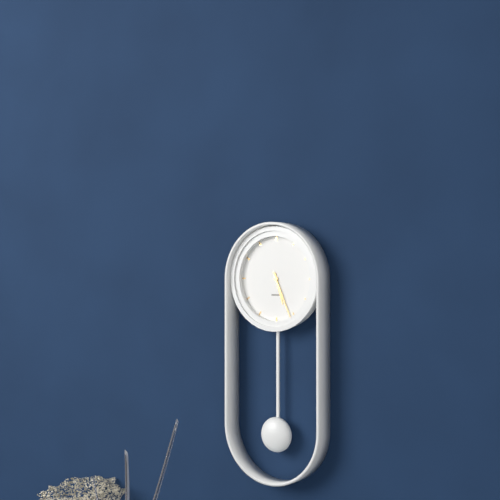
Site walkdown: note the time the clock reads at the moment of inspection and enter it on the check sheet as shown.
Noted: 5:26
